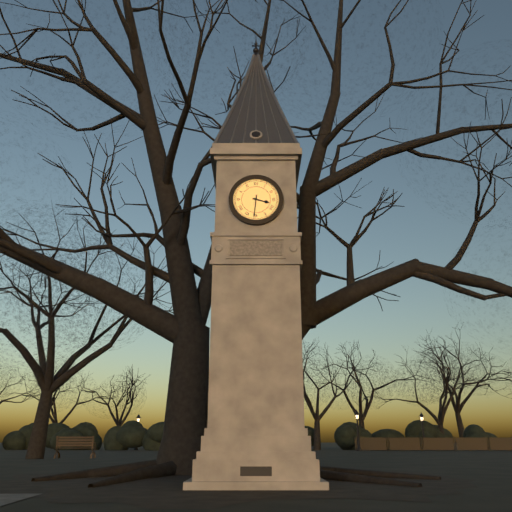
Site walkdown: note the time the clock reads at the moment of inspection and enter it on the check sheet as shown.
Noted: 3:31
